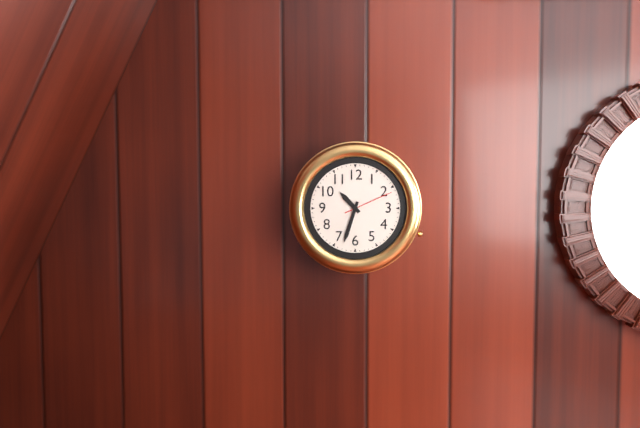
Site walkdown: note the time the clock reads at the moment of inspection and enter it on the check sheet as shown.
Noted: 10:33
